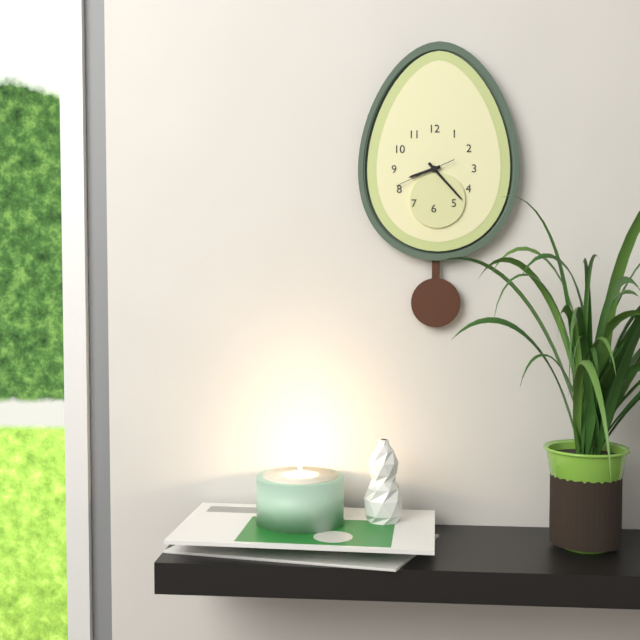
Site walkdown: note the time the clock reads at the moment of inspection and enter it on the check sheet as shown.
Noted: 8:23:41
